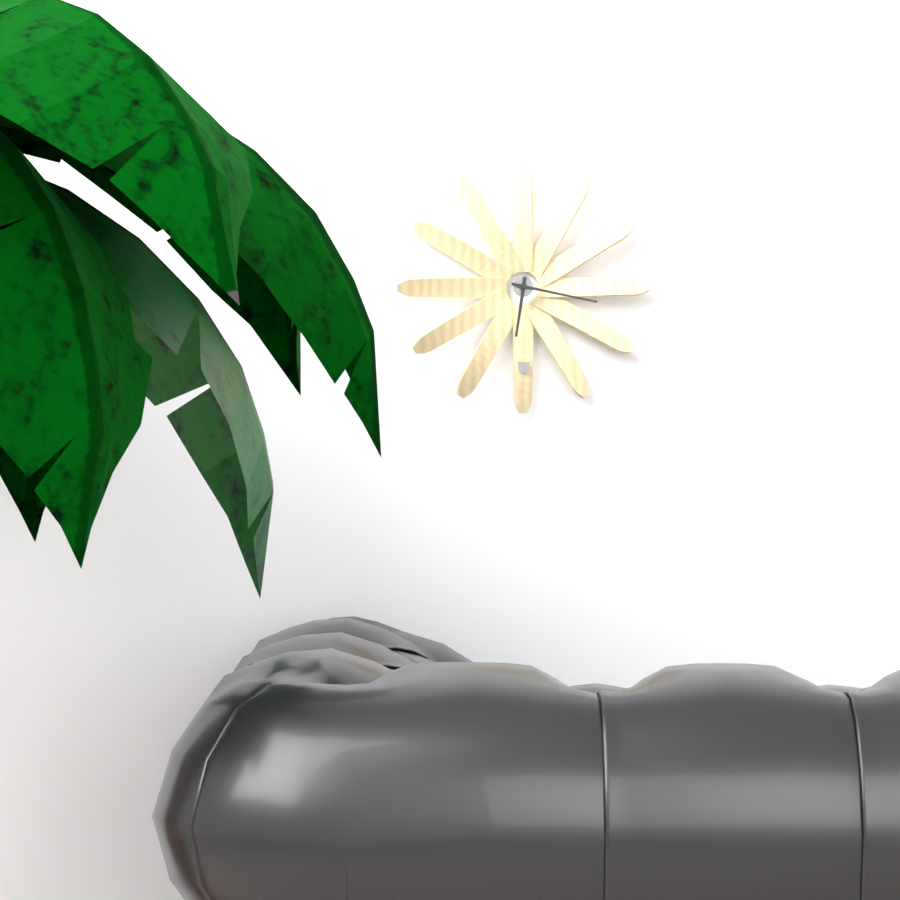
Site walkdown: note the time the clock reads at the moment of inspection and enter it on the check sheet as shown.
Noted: 6:17
